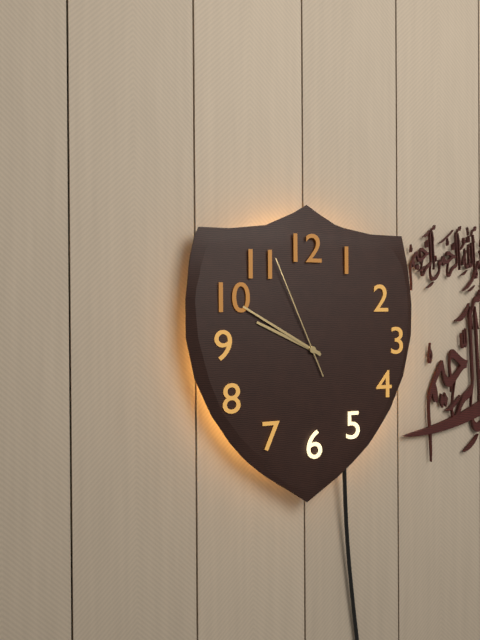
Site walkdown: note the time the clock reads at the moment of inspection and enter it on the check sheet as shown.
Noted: 9:50:56
